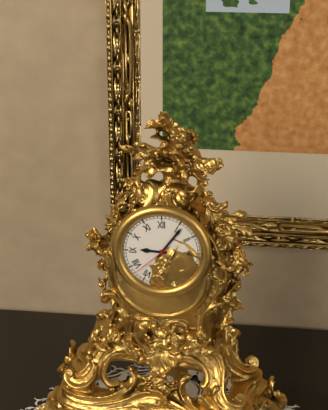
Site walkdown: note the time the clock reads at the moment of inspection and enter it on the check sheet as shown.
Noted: 9:06
